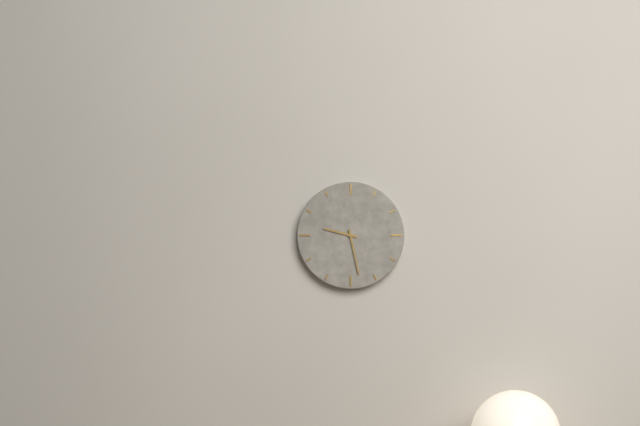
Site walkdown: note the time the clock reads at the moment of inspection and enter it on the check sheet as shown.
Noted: 9:28
